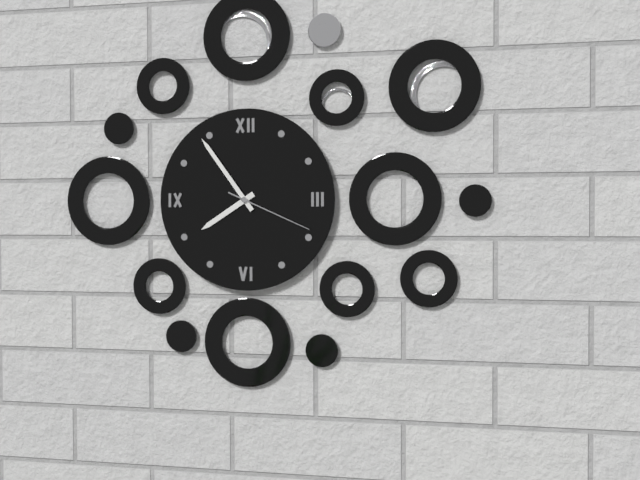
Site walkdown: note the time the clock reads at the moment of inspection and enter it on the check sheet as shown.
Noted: 7:54:19
